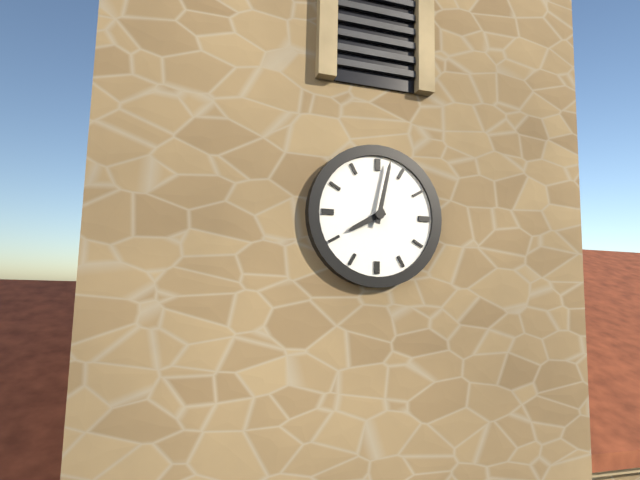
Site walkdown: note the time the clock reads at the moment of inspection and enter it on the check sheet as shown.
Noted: 8:02
